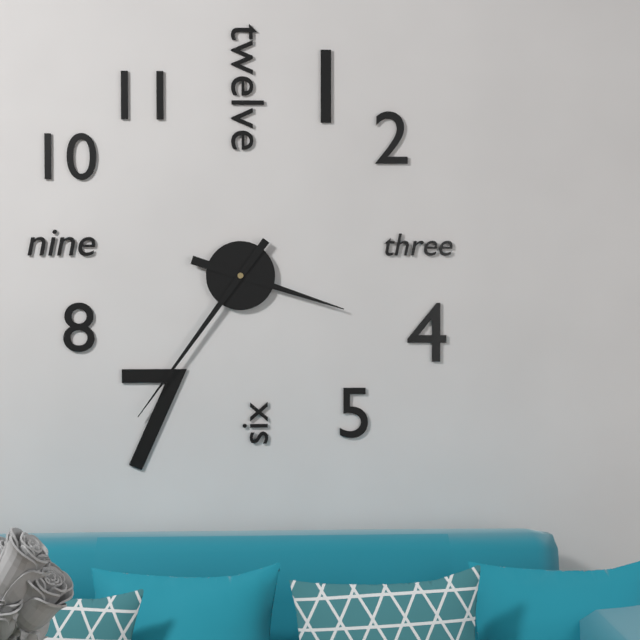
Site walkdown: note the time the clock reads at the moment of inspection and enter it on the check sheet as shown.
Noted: 3:36
